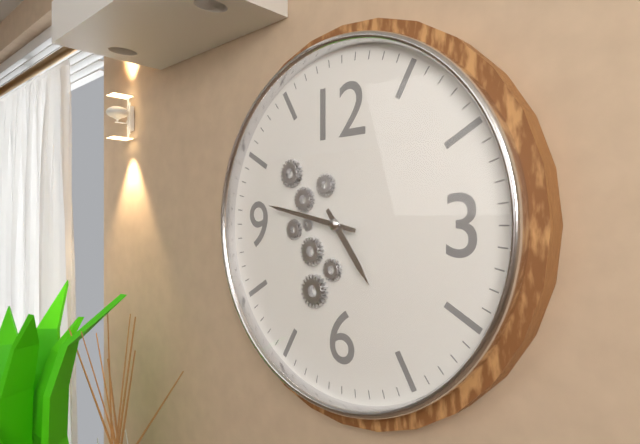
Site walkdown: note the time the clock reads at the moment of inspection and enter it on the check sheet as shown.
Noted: 4:47
